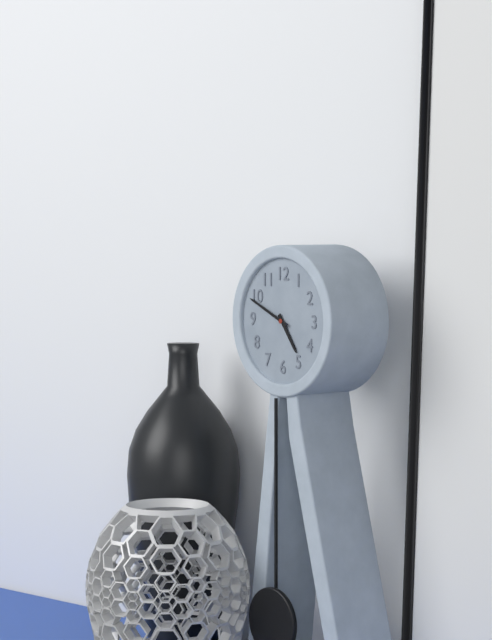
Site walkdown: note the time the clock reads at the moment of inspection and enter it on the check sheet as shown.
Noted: 4:49
